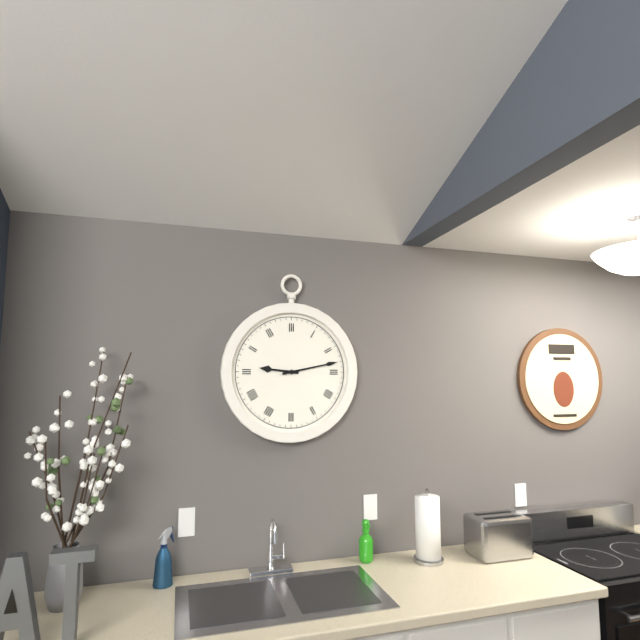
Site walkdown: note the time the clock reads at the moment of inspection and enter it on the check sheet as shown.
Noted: 9:13
